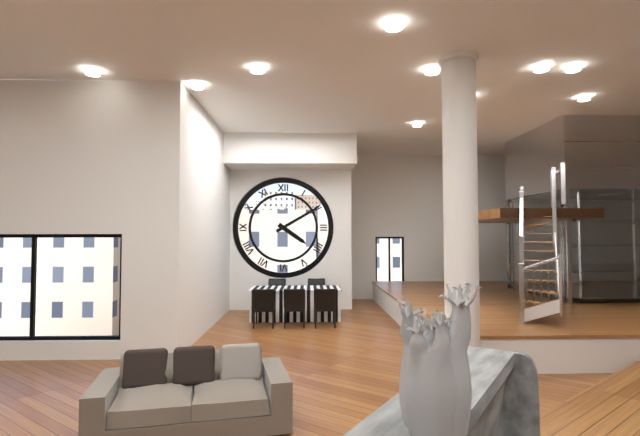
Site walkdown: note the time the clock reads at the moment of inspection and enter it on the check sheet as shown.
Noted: 4:10
